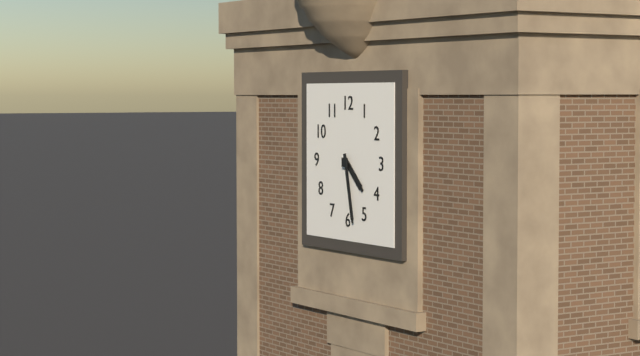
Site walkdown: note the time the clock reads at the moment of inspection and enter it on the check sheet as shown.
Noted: 4:28
